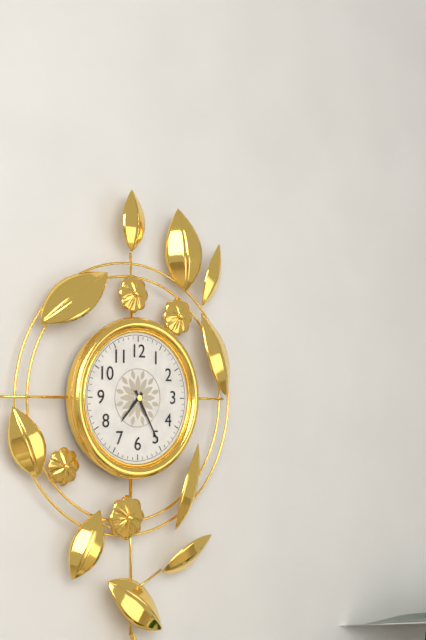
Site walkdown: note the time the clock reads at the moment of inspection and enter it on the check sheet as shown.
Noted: 7:25
